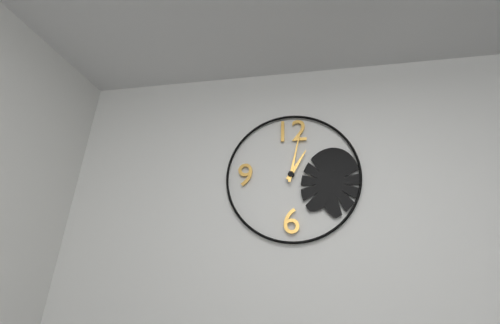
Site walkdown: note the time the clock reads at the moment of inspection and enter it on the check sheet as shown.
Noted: 1:02
